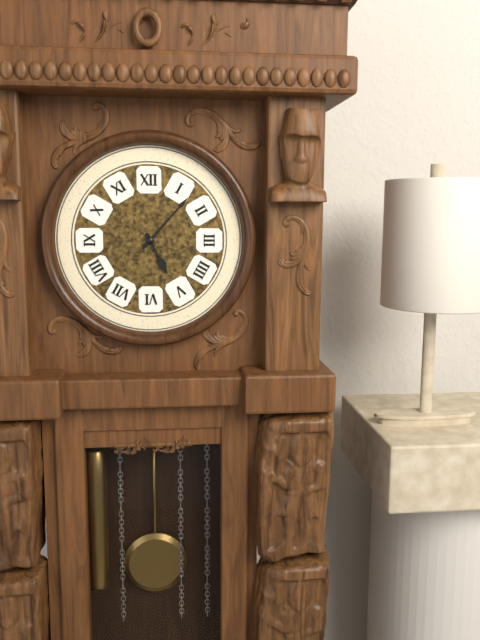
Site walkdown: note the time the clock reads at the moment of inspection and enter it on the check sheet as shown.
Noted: 5:07
